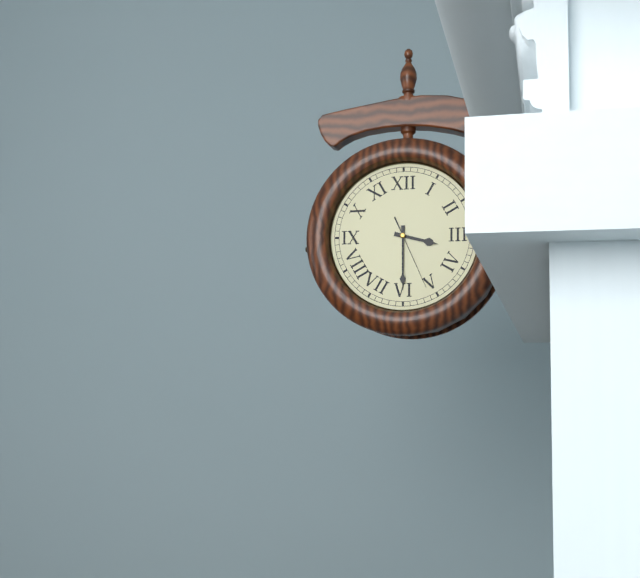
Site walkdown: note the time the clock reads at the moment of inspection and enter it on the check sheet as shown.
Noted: 3:30:26
